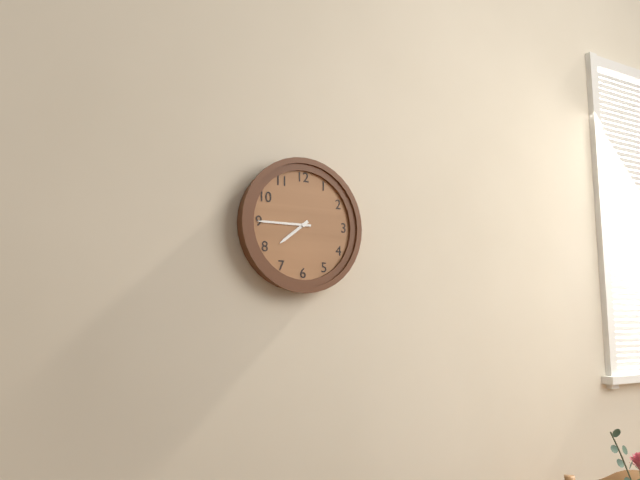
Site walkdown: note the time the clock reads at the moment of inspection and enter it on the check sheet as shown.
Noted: 7:45
